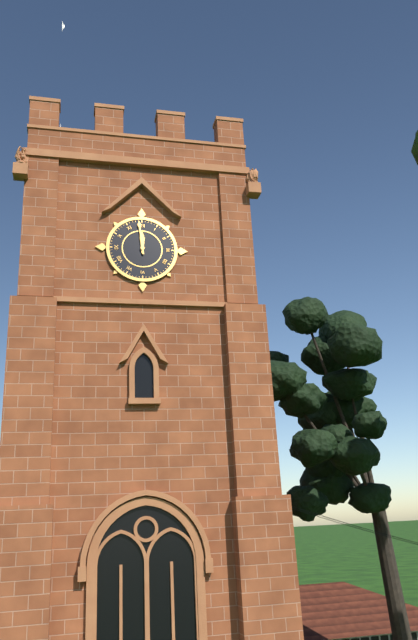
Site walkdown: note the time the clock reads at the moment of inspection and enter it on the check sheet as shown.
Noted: 11:59
